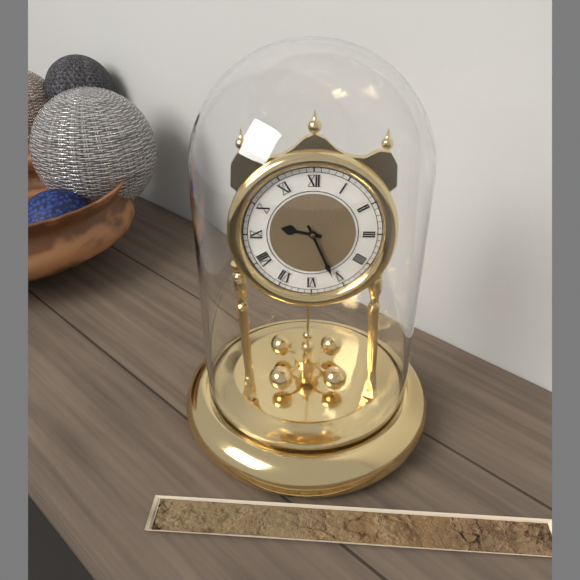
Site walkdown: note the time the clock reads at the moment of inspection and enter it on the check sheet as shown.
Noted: 9:26
